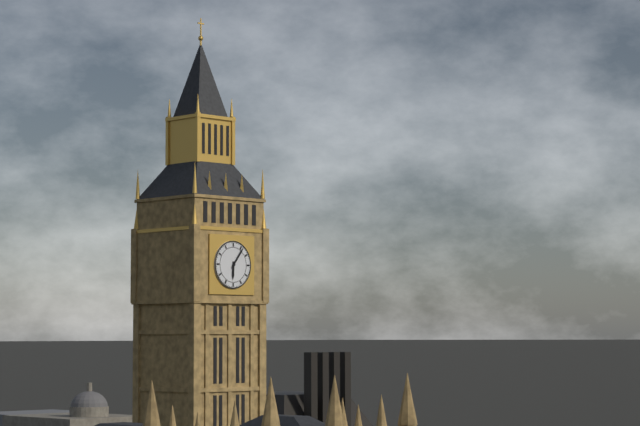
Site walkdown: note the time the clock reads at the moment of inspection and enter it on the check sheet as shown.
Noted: 6:06
